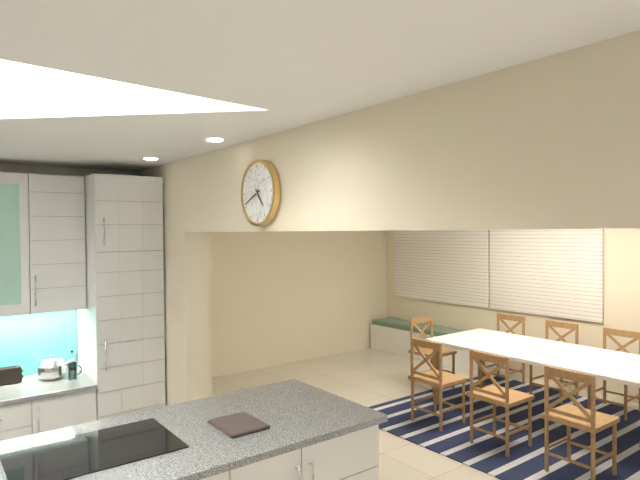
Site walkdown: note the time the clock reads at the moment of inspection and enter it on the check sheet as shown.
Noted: 4:41
